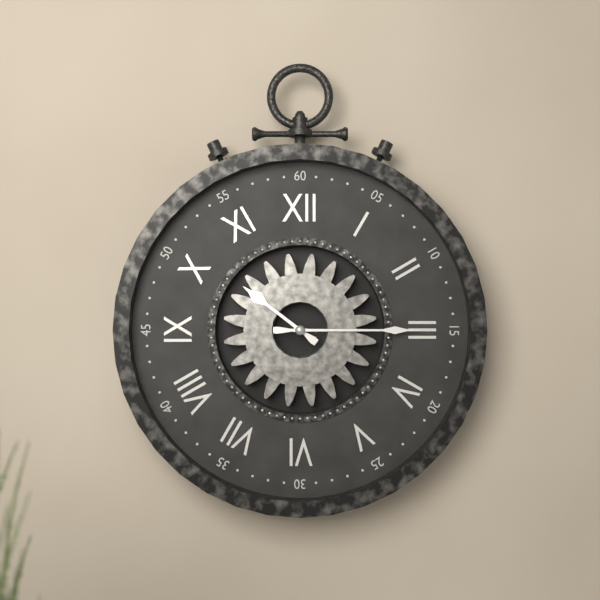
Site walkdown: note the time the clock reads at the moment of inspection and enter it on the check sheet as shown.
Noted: 10:15
